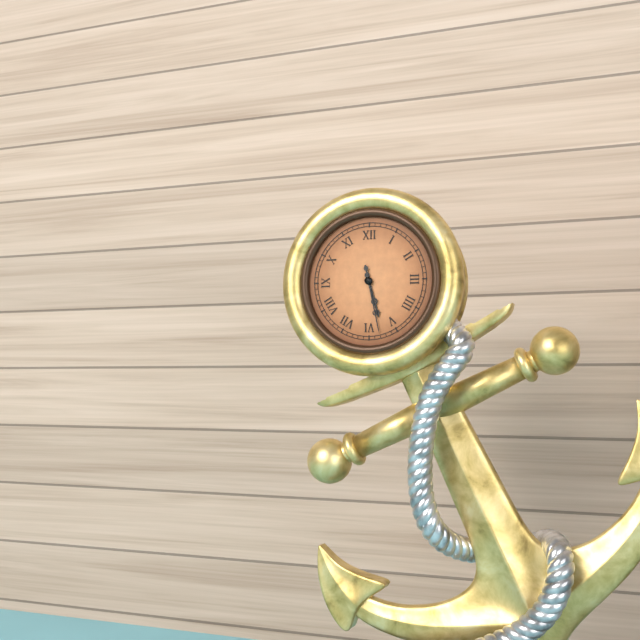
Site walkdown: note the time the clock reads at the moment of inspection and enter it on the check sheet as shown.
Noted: 5:28
